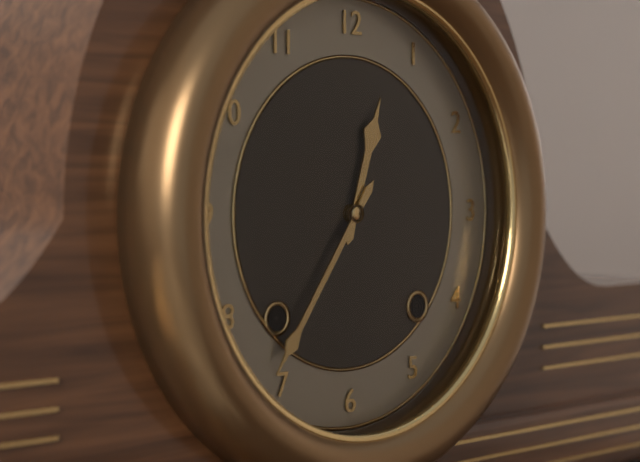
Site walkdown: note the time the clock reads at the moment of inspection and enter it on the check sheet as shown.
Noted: 12:36
